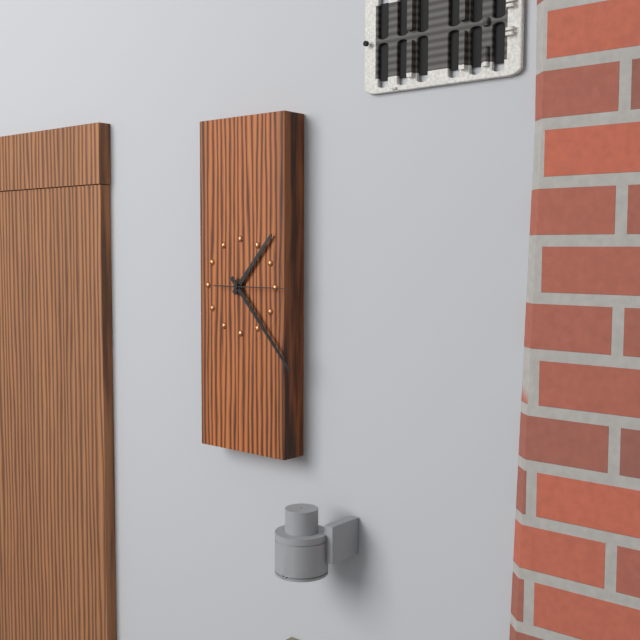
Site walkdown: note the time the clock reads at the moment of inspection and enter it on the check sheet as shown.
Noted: 1:23:15
